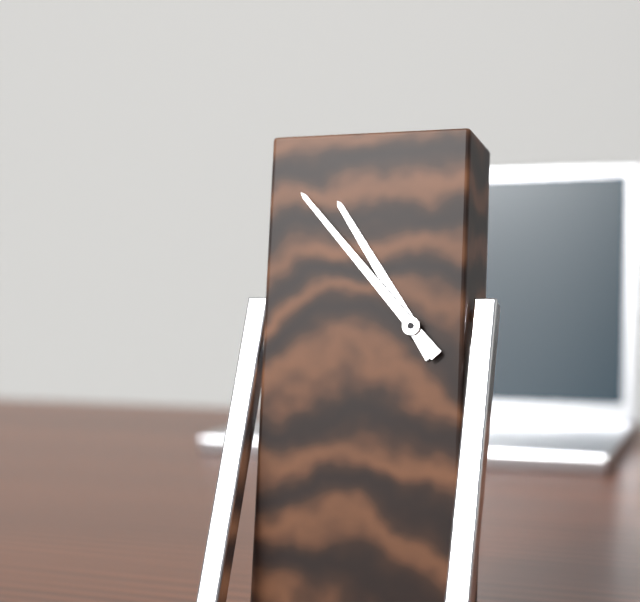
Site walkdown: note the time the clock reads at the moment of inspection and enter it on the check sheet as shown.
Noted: 10:53
